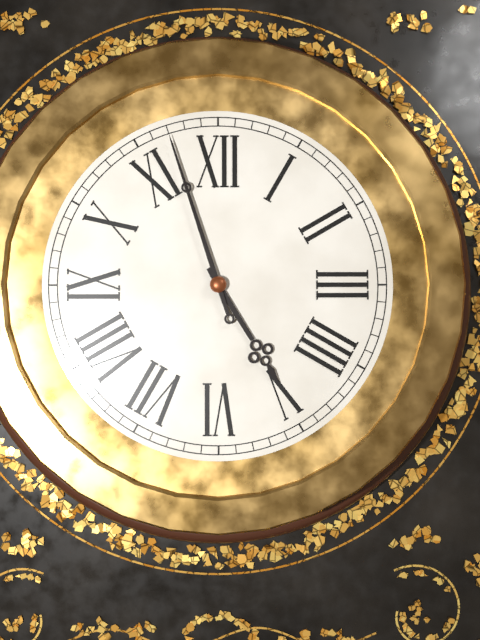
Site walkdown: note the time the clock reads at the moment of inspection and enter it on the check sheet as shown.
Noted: 4:57
